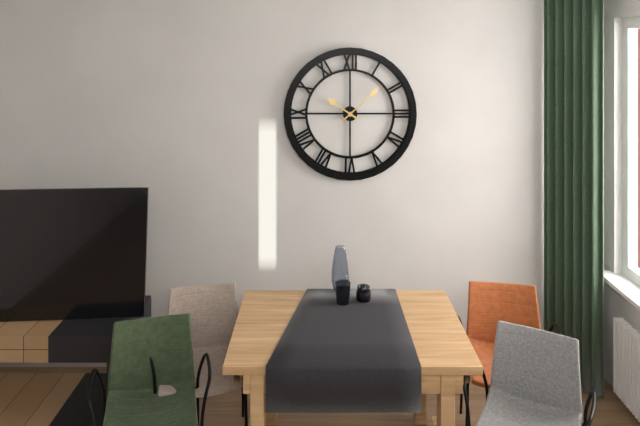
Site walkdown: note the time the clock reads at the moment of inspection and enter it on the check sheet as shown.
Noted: 10:08
